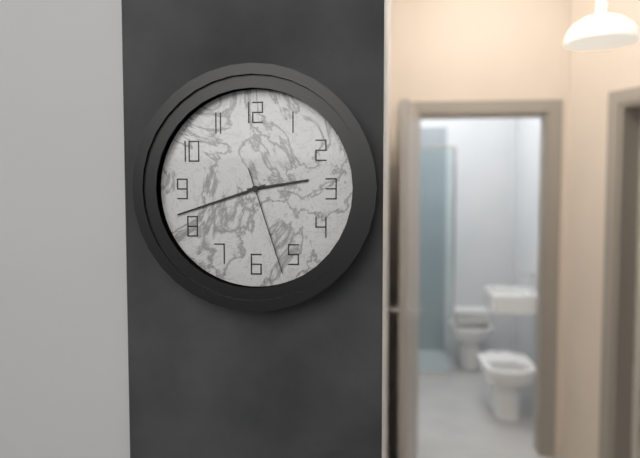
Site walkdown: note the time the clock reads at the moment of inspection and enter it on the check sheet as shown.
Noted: 2:42:27
